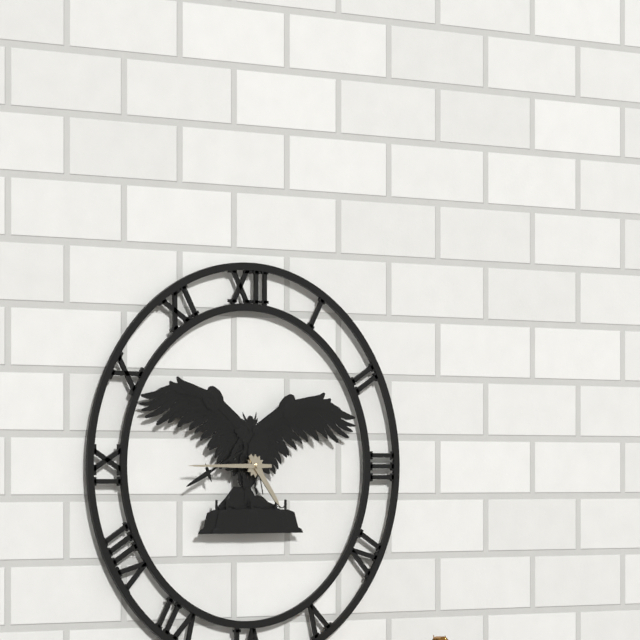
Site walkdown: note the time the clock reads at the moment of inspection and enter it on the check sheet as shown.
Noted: 4:45
